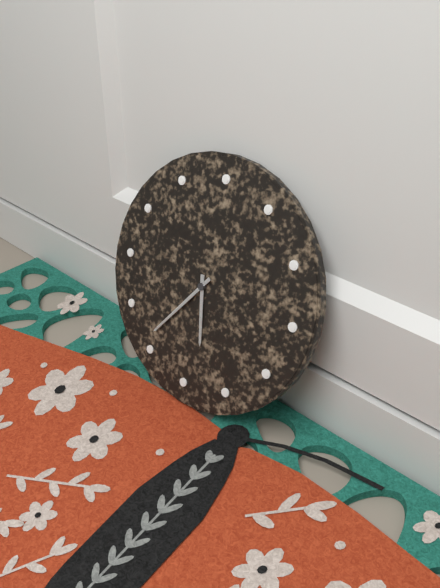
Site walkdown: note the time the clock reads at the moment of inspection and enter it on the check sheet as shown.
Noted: 5:36
